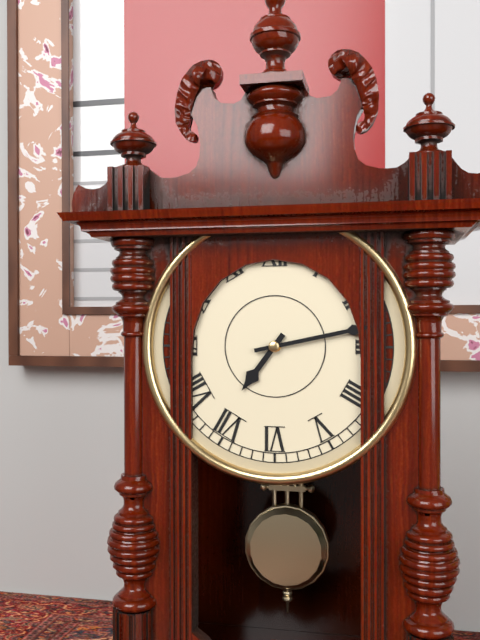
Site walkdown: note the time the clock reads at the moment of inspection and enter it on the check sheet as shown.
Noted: 7:13
